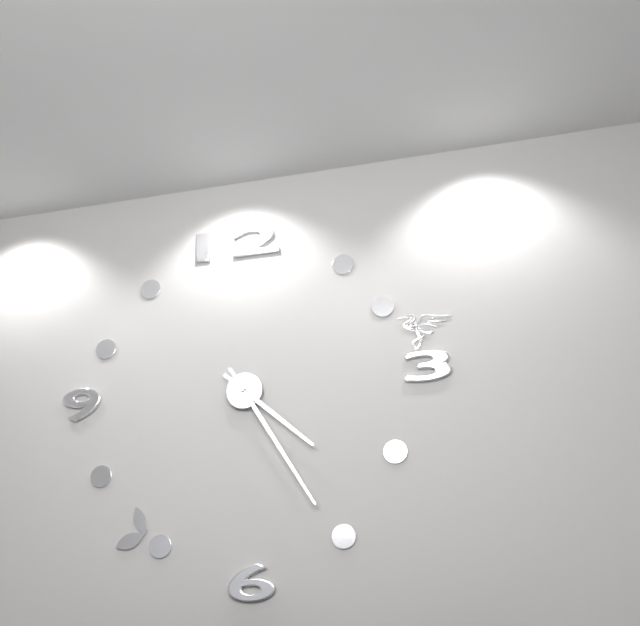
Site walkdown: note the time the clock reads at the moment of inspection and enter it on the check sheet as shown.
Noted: 4:25
